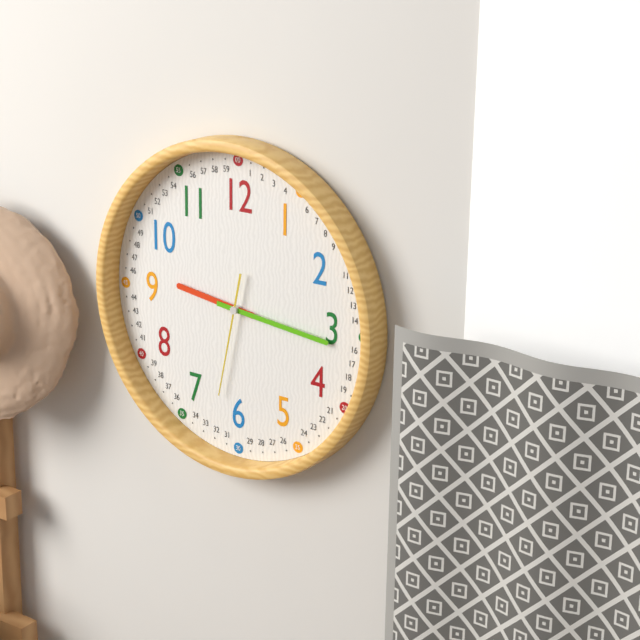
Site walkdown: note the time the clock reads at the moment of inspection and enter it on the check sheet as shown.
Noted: 9:16:32
